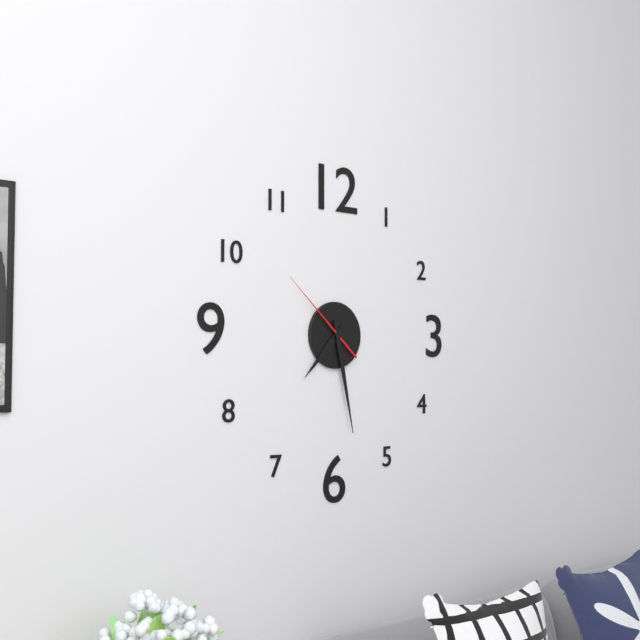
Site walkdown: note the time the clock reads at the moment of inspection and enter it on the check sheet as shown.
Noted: 7:28:52
